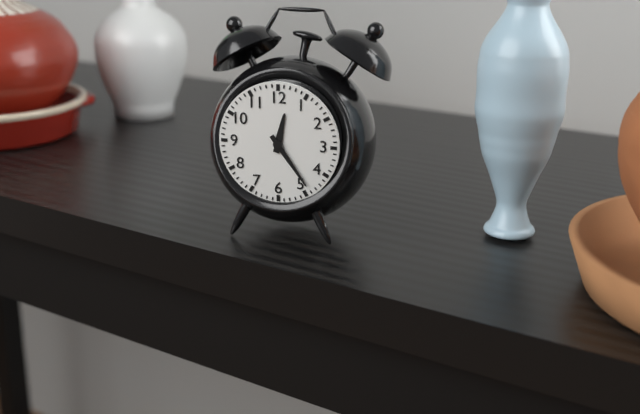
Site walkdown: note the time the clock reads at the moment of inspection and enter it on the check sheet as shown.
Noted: 12:24
